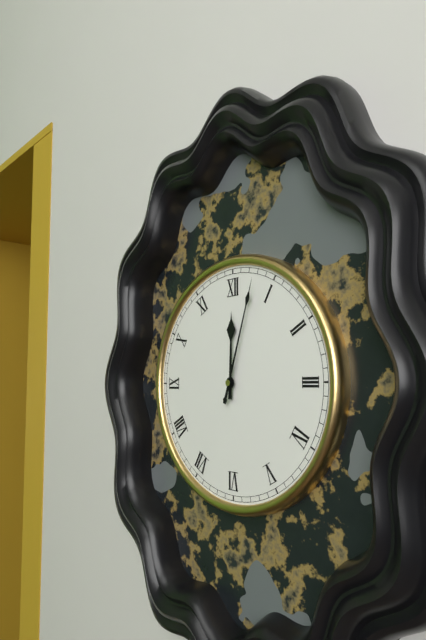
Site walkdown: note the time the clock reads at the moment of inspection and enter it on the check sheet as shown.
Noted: 12:03
